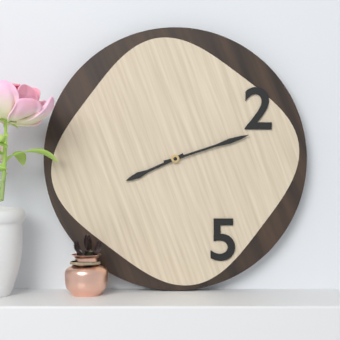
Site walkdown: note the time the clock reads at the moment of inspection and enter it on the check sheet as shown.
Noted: 8:12
